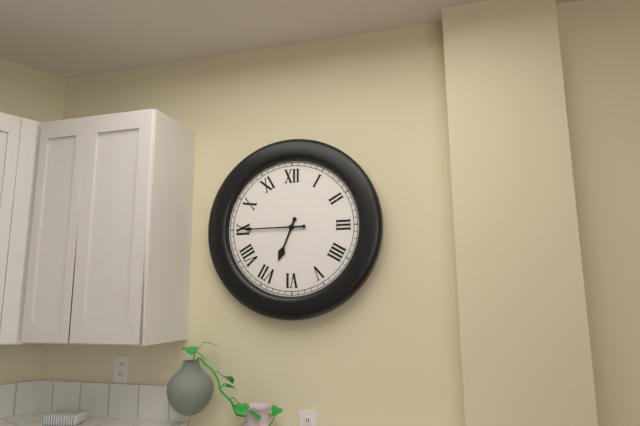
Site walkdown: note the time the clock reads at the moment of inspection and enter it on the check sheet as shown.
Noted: 6:45
